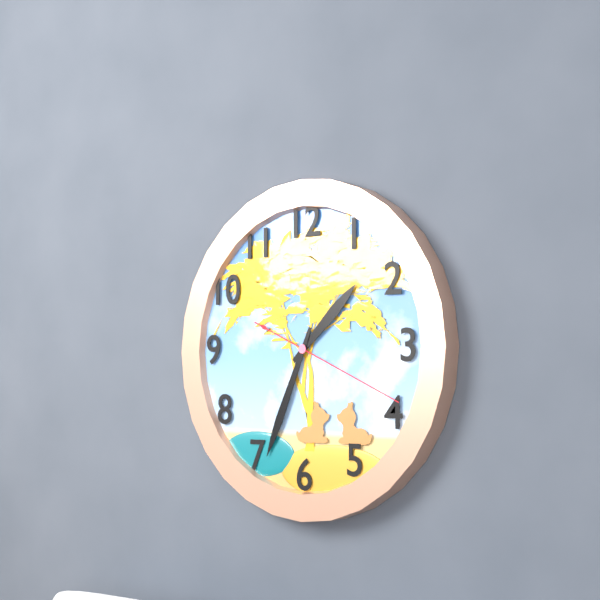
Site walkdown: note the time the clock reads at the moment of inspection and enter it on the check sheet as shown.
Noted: 1:34:19
